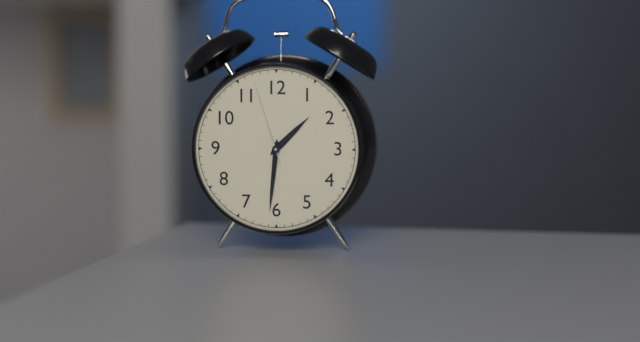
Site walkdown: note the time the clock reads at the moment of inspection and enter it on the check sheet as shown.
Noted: 1:31:57
